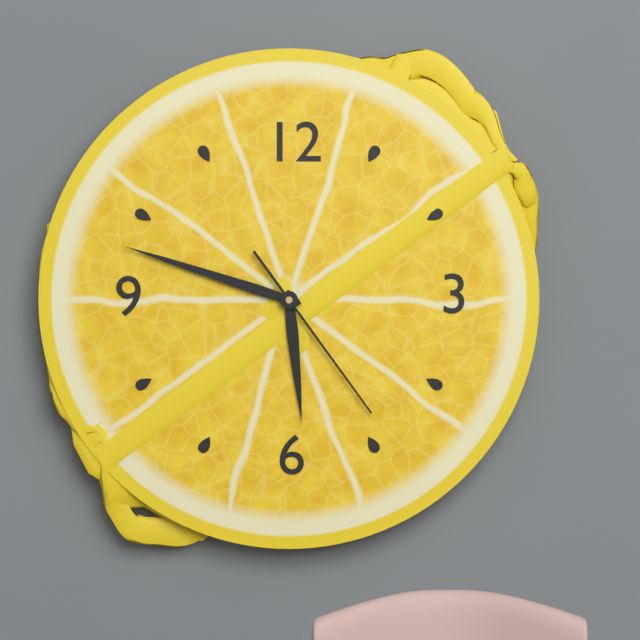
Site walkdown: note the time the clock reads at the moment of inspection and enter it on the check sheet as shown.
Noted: 5:48:24
